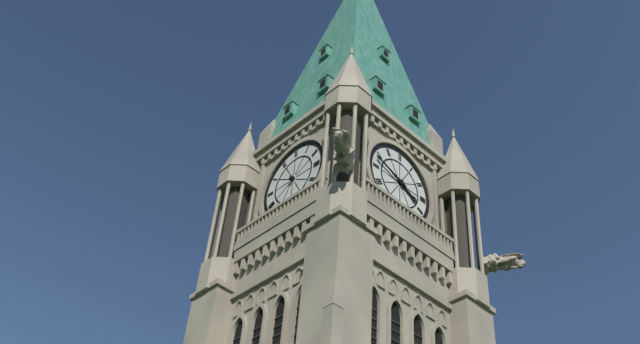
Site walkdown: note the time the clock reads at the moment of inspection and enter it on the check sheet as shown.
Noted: 3:48
